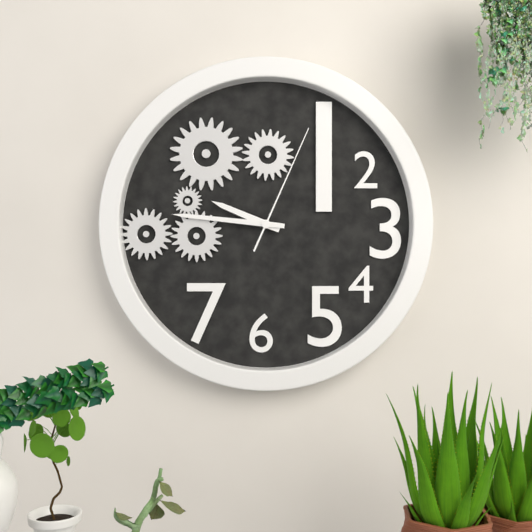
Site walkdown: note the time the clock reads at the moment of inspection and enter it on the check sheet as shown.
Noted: 9:46:04
